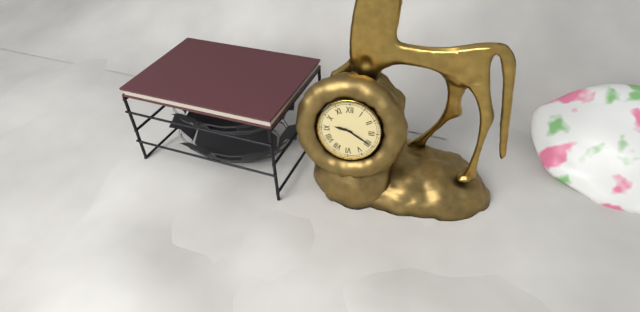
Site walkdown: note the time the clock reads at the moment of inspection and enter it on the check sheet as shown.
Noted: 9:20
